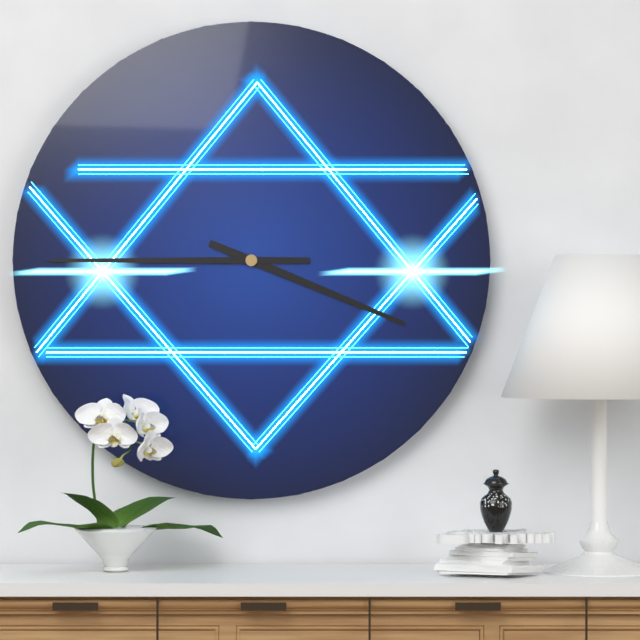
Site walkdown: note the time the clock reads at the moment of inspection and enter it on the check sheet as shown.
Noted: 3:45
